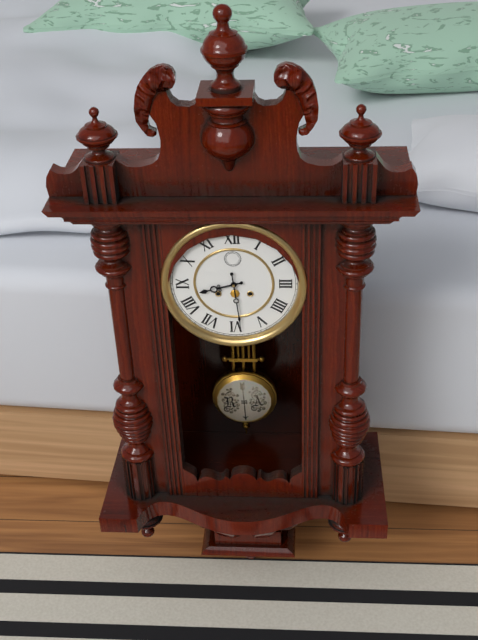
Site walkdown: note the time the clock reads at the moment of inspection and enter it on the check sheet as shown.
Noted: 8:29
